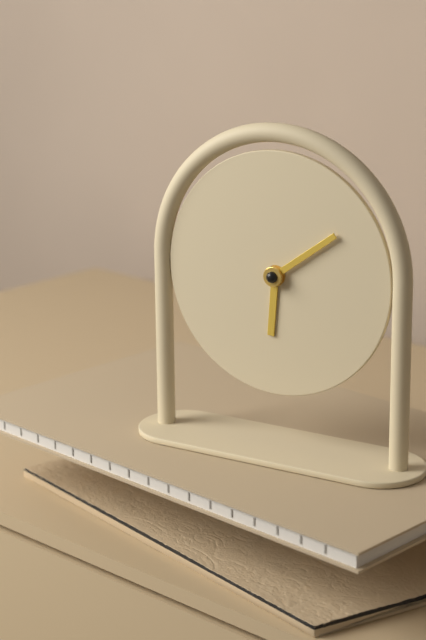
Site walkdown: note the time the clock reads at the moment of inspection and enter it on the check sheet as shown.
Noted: 6:09
